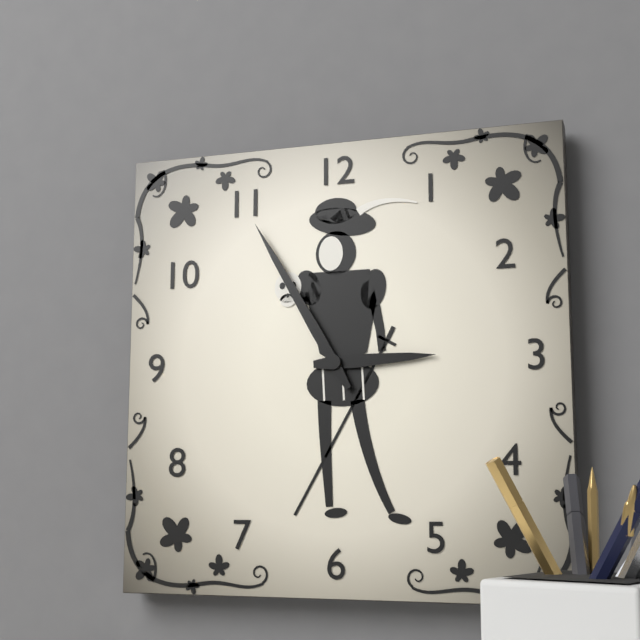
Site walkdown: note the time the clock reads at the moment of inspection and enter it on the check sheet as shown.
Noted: 2:55
